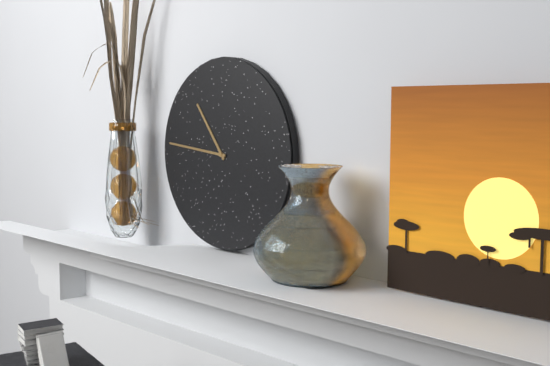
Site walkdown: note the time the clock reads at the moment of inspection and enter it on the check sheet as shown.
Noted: 10:46
